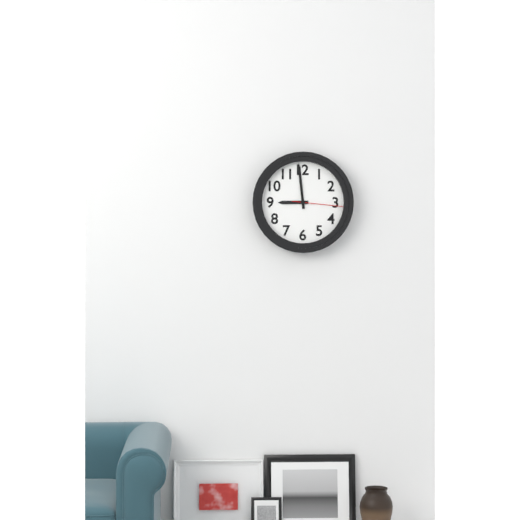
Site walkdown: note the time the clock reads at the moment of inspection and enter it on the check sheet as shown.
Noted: 8:59:16
